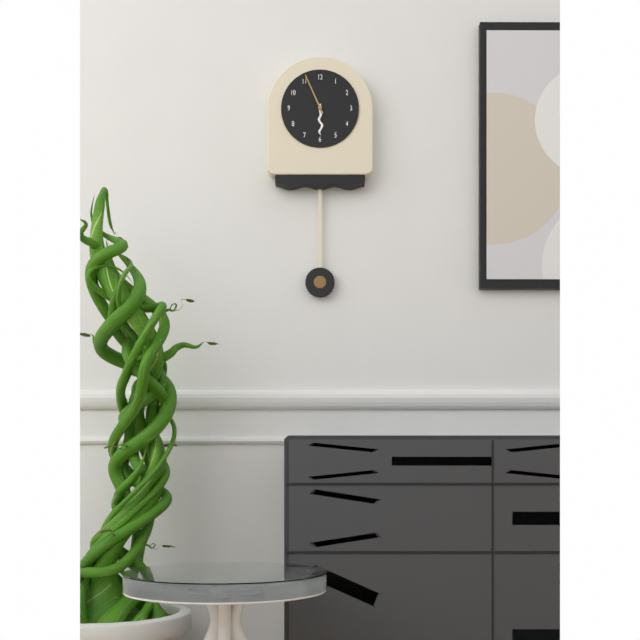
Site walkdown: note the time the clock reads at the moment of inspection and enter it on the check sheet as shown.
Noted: 5:56
